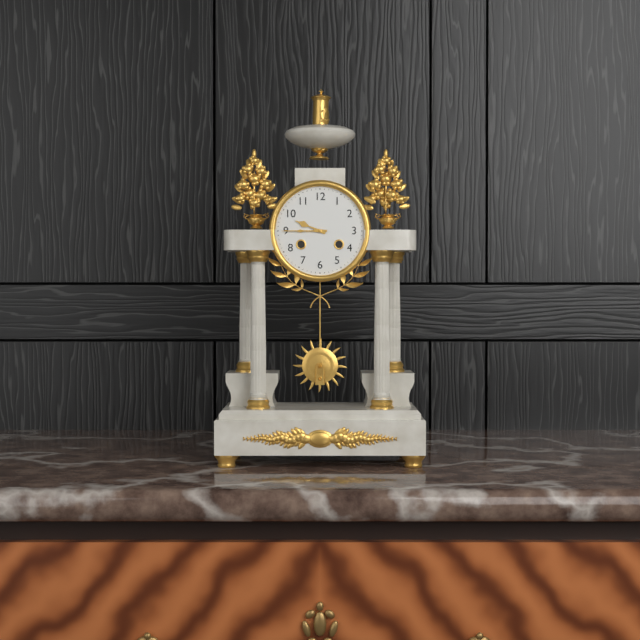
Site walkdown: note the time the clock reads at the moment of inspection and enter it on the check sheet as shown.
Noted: 9:45
